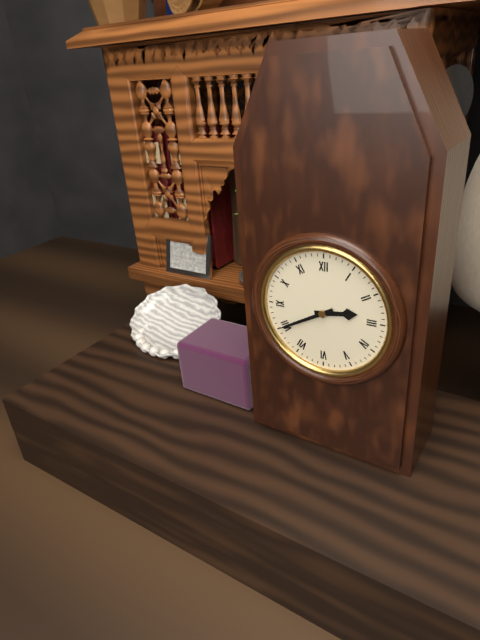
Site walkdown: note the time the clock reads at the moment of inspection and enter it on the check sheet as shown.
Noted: 2:40
